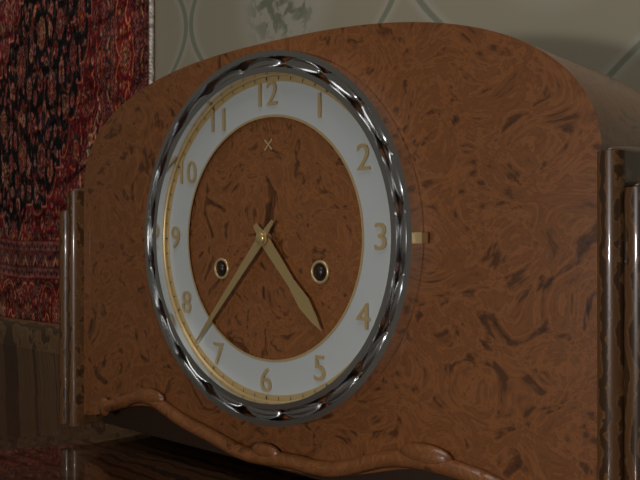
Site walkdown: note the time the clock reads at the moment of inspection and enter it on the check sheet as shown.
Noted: 4:37
